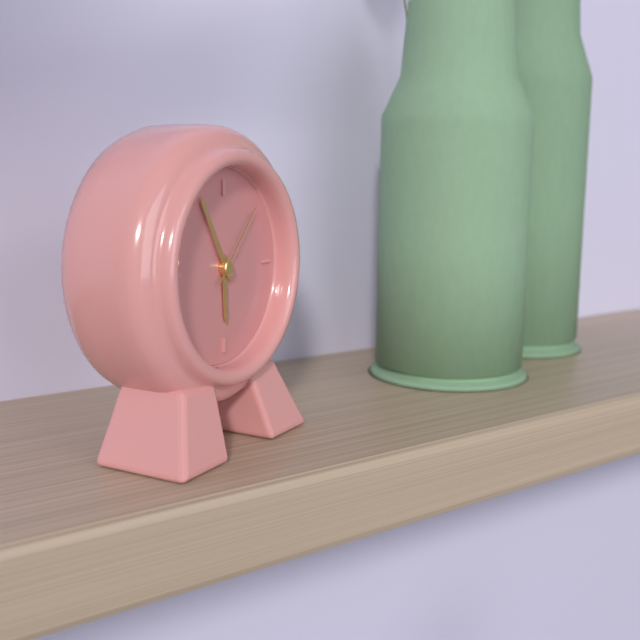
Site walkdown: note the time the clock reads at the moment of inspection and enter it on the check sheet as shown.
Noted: 5:55:07
